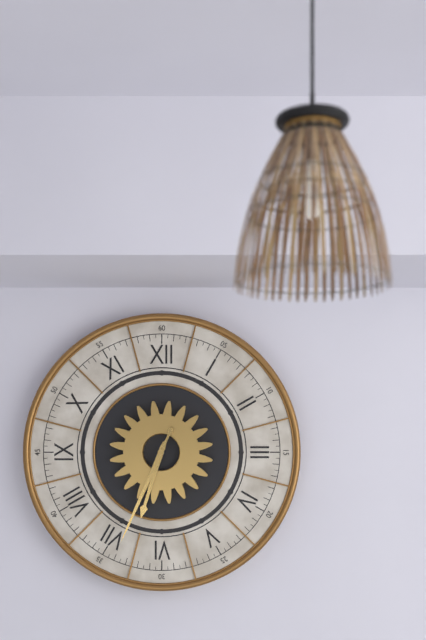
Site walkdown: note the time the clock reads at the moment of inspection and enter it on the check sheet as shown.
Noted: 6:34
